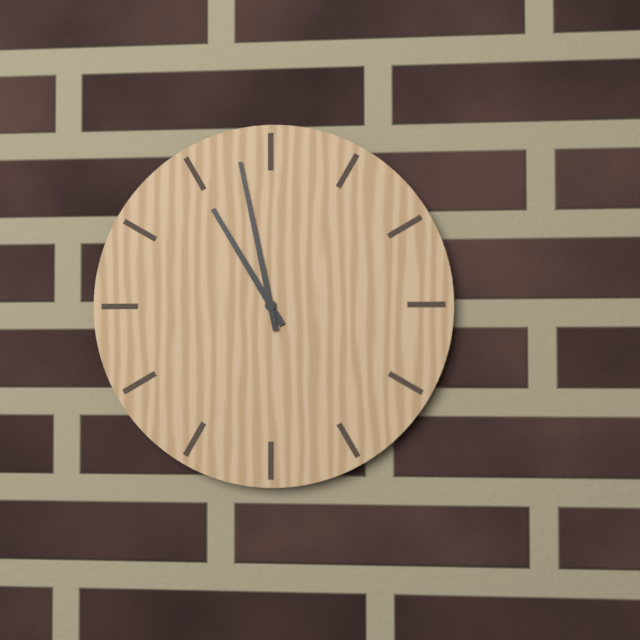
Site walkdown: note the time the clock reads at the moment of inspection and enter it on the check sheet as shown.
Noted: 10:58
